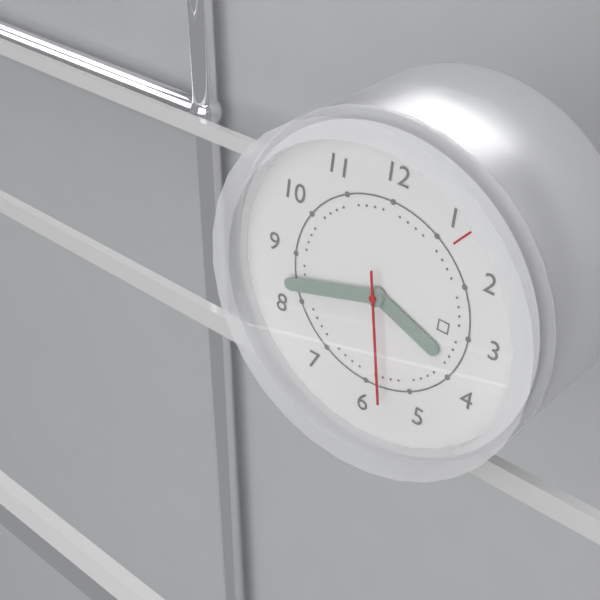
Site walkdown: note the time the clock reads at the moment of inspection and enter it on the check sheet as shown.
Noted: 3:42:28
